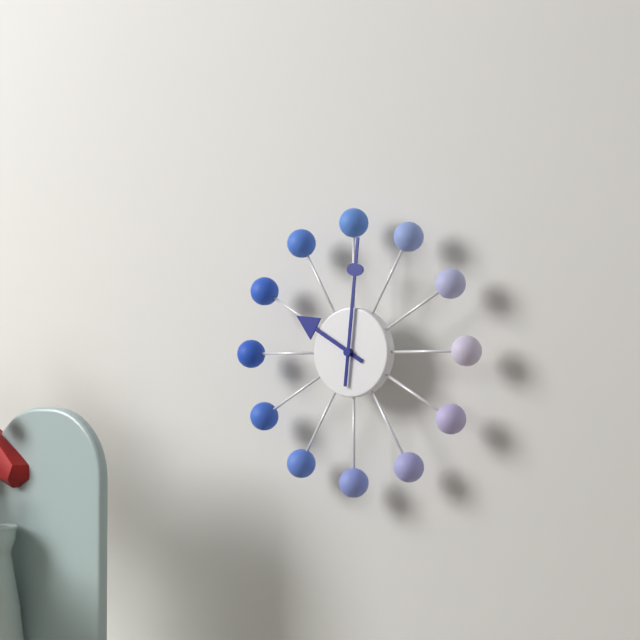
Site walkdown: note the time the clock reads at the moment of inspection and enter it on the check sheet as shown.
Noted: 10:01
